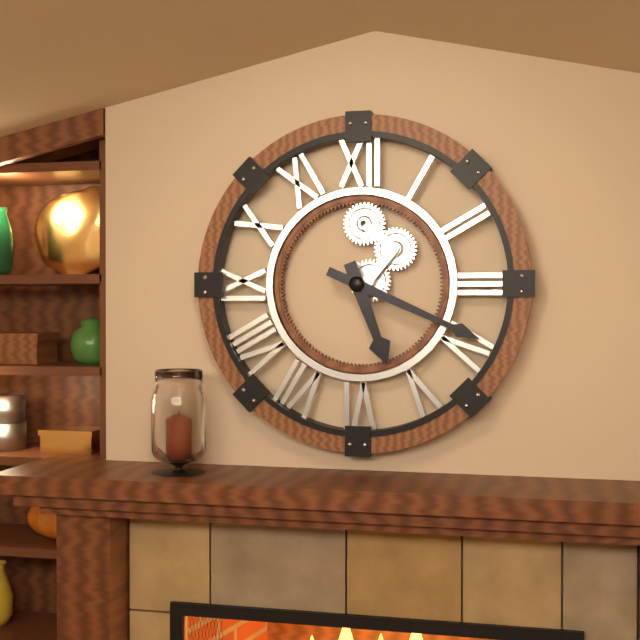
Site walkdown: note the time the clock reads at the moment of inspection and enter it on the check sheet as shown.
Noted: 5:19
